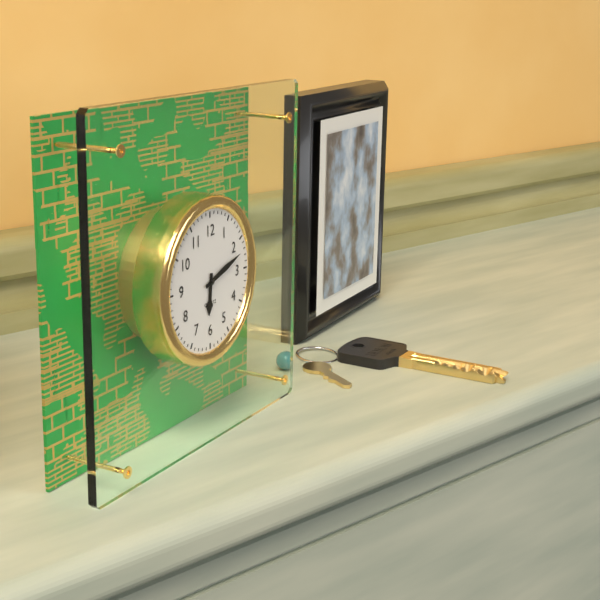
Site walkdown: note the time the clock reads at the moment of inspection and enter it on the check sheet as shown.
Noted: 6:12
